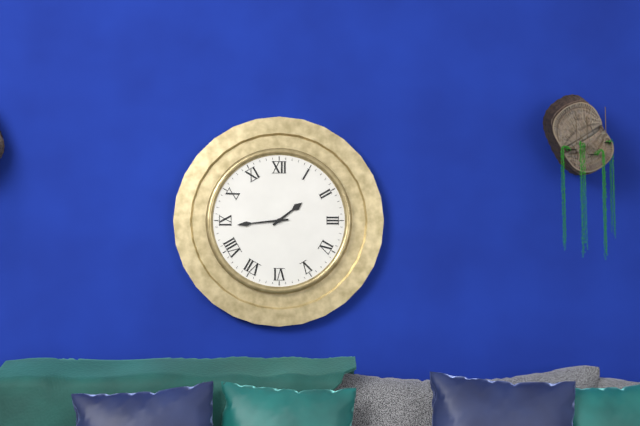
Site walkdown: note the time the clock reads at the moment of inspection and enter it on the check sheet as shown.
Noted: 1:44
